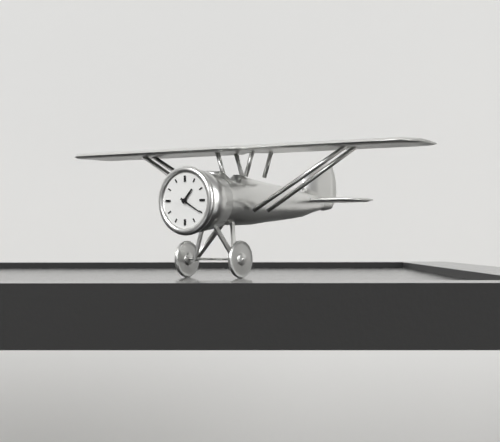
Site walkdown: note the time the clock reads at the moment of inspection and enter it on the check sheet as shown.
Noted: 1:20
